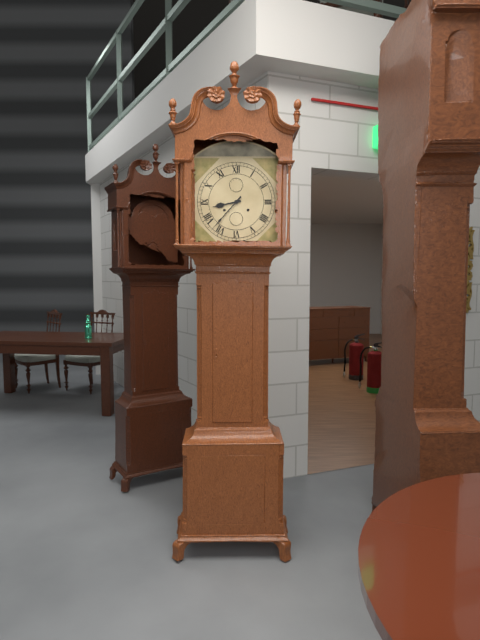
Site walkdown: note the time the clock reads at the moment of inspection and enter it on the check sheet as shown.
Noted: 8:37
